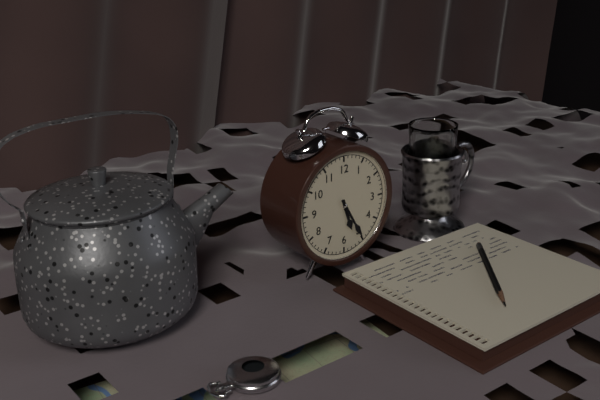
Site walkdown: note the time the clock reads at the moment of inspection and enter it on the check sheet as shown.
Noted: 5:25
